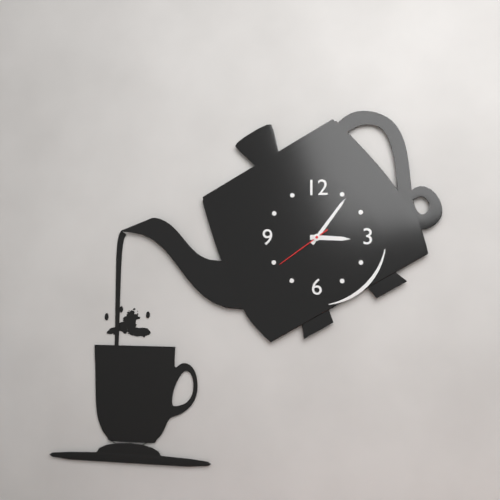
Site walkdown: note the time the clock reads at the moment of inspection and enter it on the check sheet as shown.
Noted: 3:06:39
